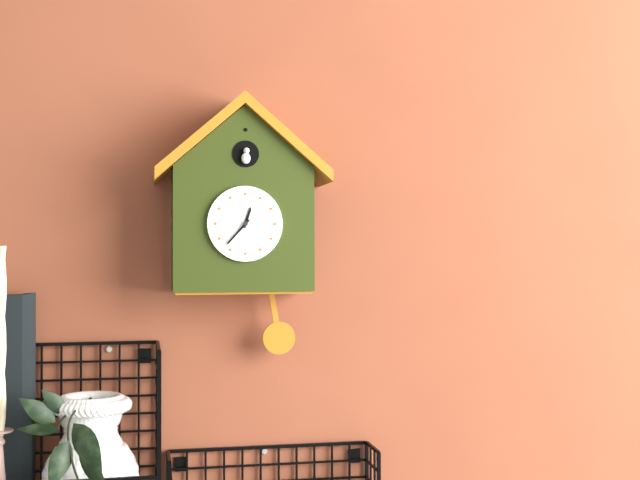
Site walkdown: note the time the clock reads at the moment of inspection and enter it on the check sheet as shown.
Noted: 12:37
